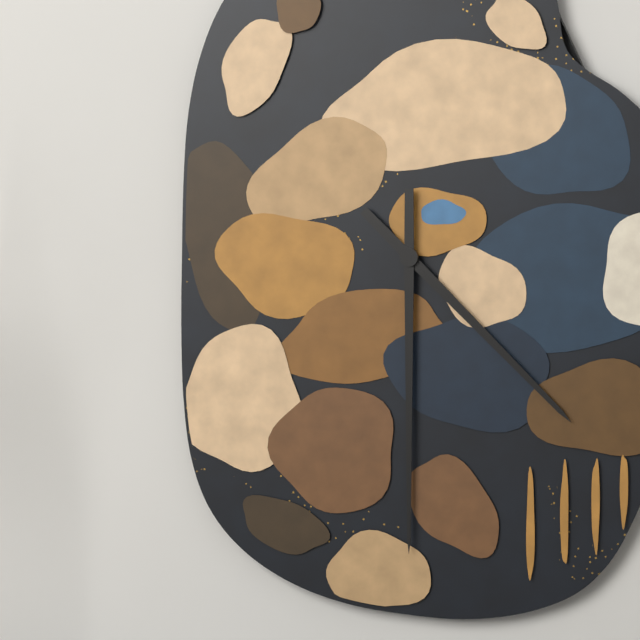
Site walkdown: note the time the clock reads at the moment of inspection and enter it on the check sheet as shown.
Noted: 4:30
